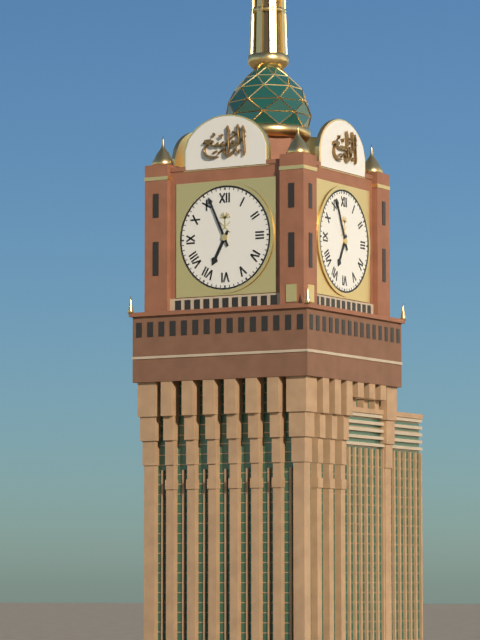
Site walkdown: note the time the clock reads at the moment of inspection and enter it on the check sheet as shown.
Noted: 6:56
